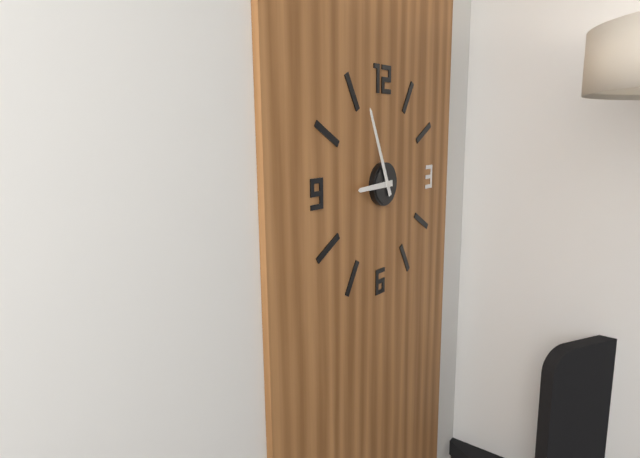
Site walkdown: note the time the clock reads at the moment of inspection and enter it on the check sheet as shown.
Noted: 8:56
